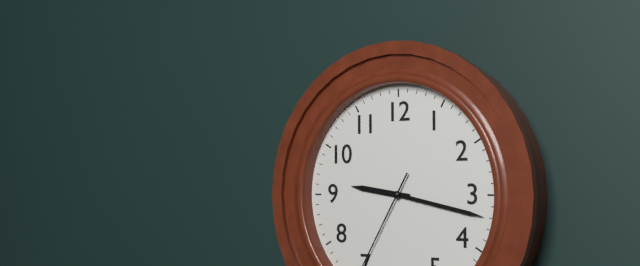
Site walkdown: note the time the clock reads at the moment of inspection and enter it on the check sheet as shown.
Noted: 9:17
